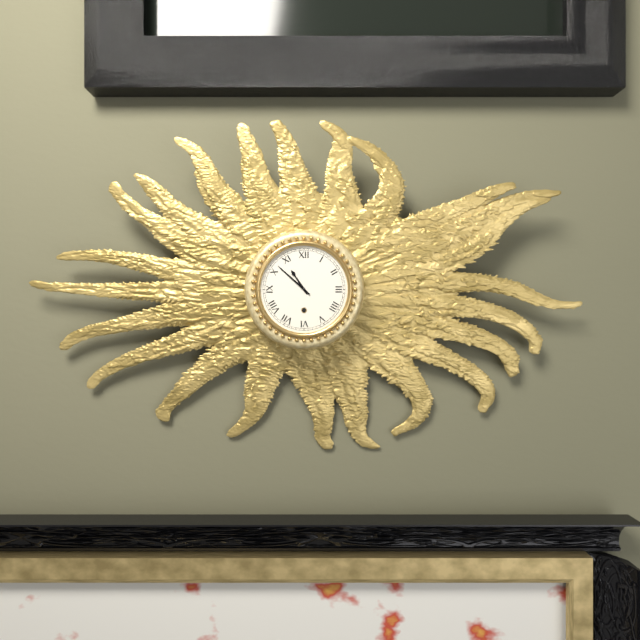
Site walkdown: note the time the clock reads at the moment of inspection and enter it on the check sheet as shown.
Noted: 10:52
